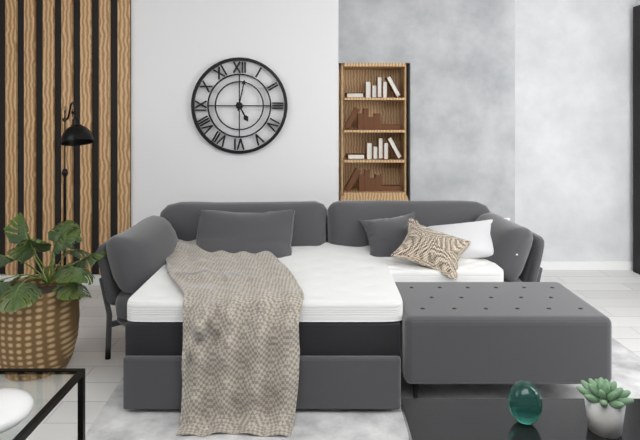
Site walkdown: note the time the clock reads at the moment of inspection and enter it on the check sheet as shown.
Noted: 5:02
